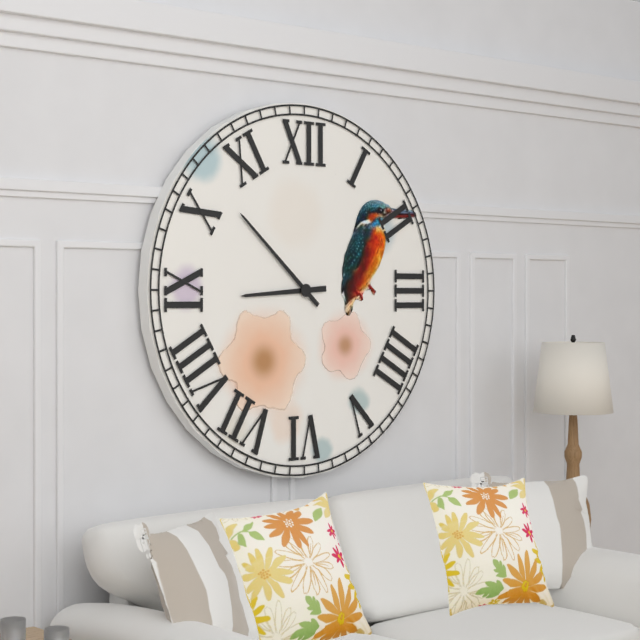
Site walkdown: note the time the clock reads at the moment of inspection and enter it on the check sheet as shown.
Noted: 8:52
